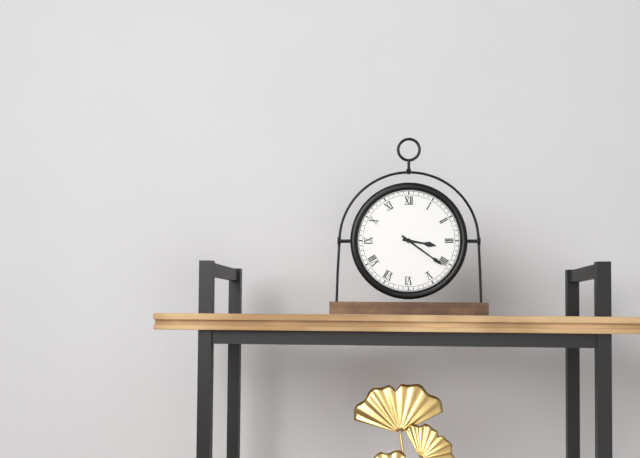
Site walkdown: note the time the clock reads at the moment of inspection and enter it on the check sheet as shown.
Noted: 3:21
